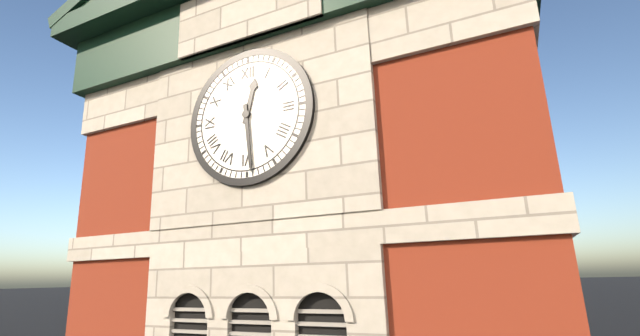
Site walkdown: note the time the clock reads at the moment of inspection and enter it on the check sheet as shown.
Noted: 12:29
